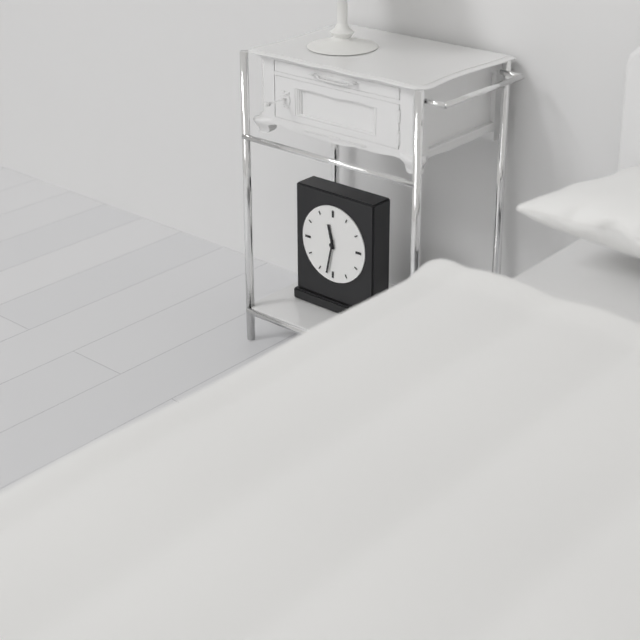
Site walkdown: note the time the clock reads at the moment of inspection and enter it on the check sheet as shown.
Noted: 11:32
